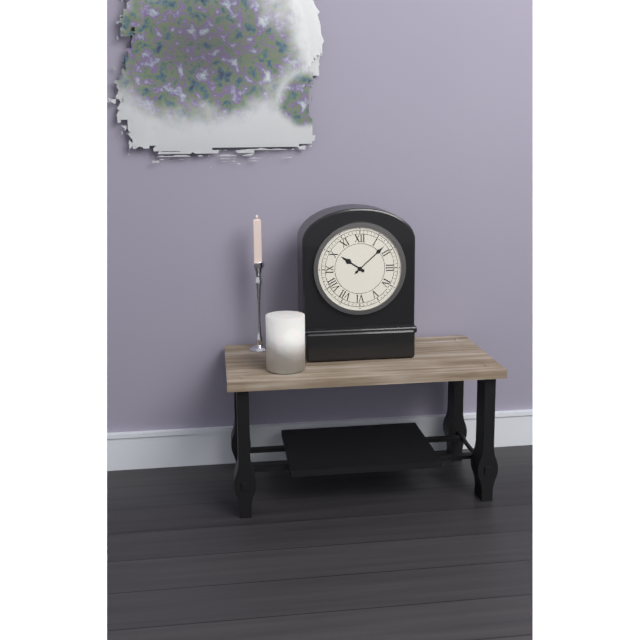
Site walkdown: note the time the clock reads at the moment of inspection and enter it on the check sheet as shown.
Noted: 10:08
